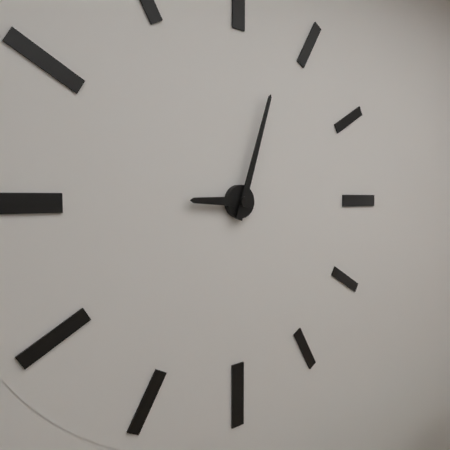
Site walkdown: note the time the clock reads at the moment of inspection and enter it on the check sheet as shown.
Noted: 9:03
